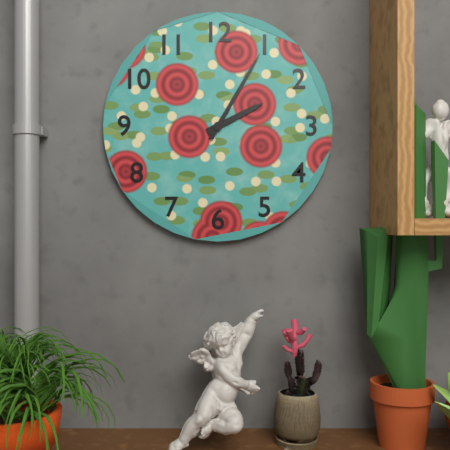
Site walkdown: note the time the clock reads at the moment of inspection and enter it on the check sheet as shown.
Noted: 2:05
